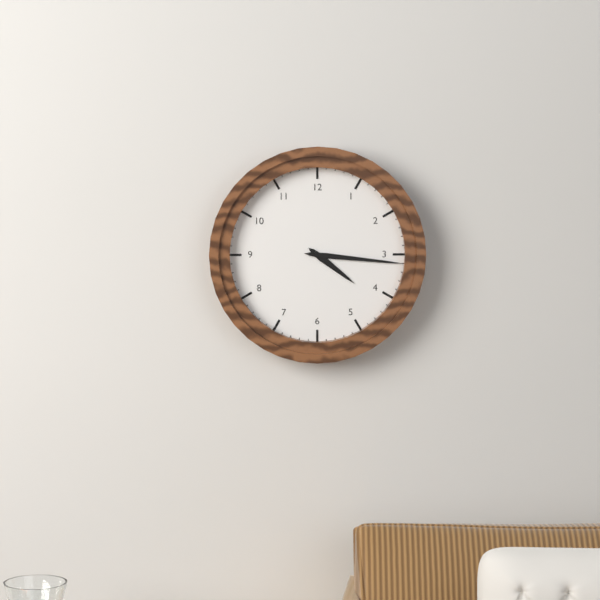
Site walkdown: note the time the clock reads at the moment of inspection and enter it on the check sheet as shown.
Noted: 4:16
